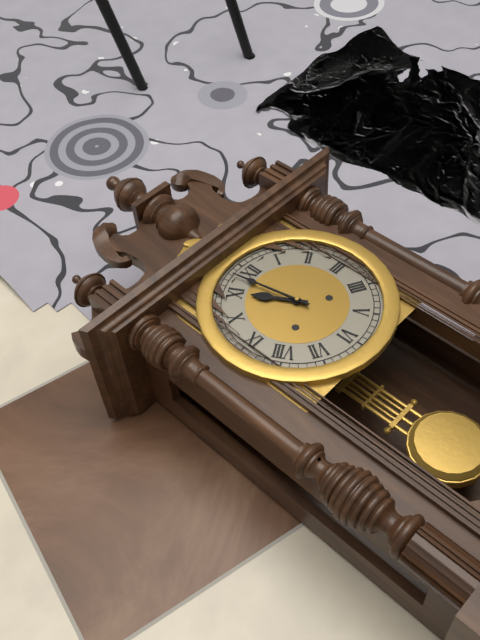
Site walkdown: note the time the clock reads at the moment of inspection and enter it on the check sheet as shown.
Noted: 10:58
